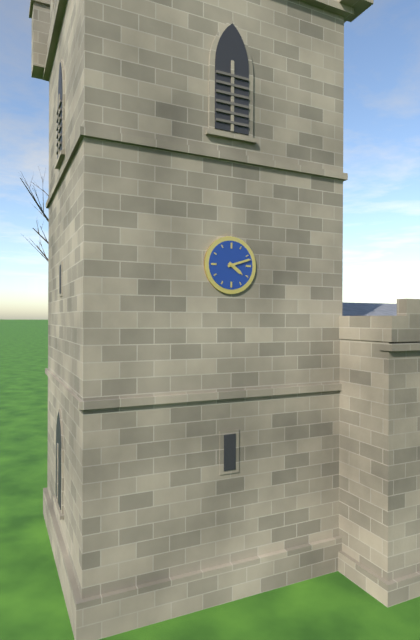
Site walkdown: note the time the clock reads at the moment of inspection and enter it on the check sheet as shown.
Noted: 4:12
